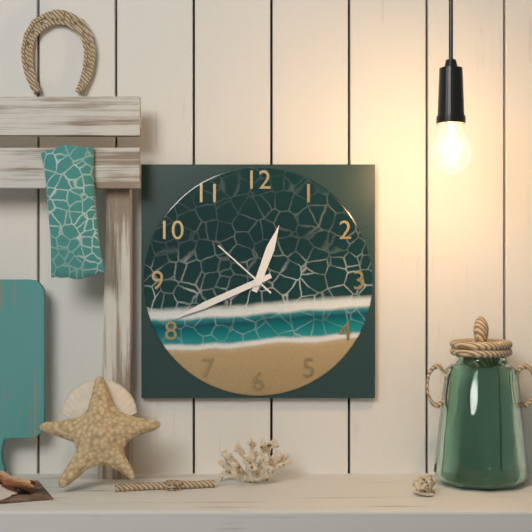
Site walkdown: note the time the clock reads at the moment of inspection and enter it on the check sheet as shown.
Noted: 12:41:52
